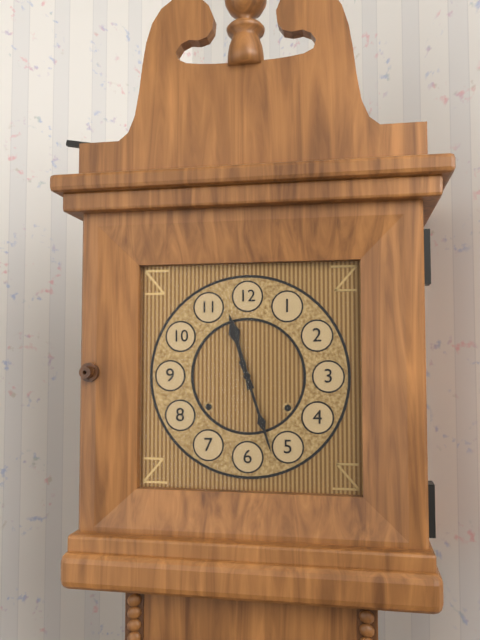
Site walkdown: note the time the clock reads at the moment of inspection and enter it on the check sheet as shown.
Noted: 11:27
